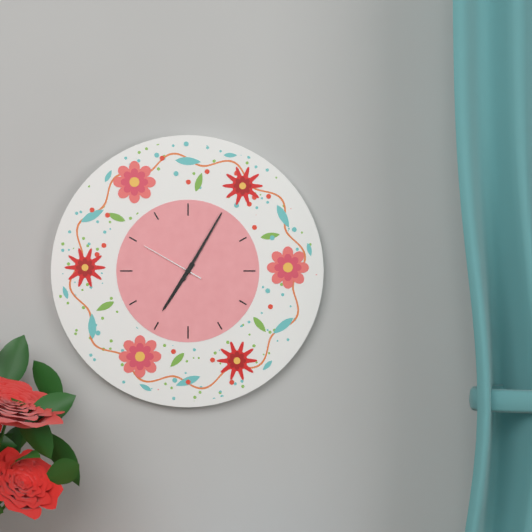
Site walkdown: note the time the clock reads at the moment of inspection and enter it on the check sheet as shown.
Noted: 7:05:50
